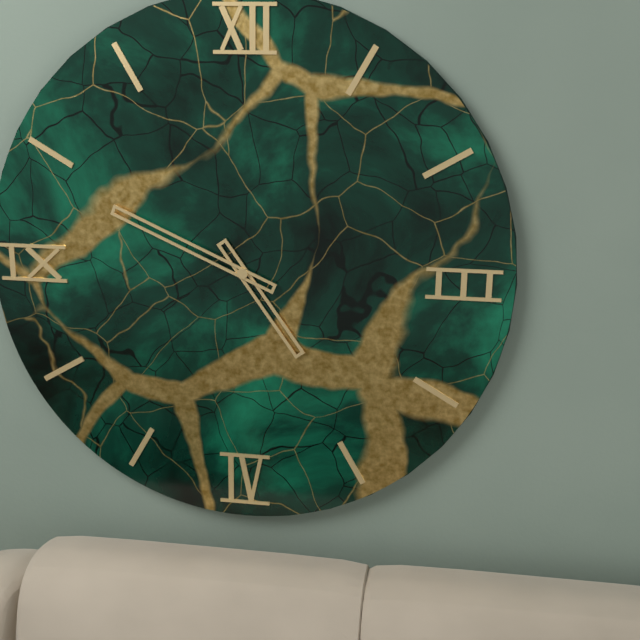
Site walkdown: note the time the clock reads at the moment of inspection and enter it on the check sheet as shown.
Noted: 4:49
